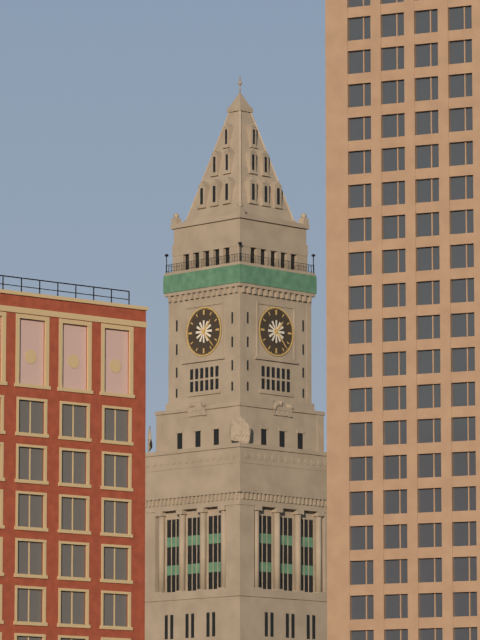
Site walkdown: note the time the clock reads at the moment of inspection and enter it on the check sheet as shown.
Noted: 1:23
